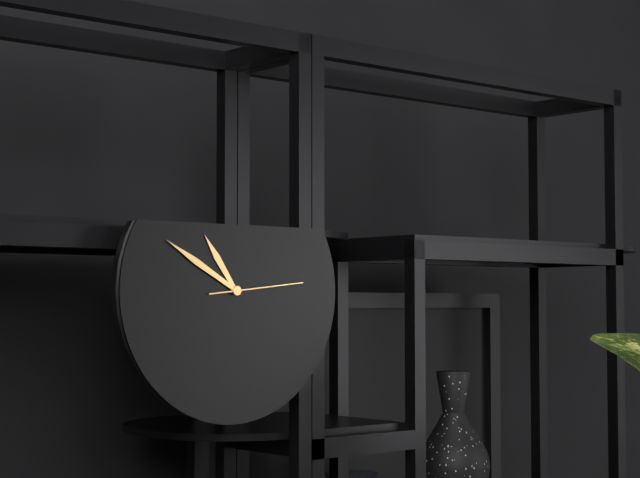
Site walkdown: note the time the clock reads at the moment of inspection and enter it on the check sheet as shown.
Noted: 10:50:14
